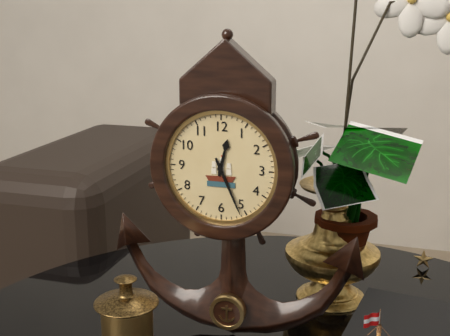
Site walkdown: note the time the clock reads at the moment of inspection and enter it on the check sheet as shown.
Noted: 12:26
